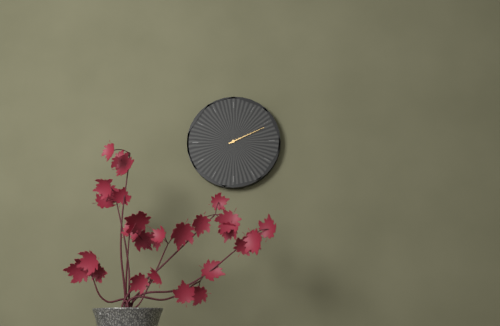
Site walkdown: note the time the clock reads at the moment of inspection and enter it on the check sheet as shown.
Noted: 2:11
